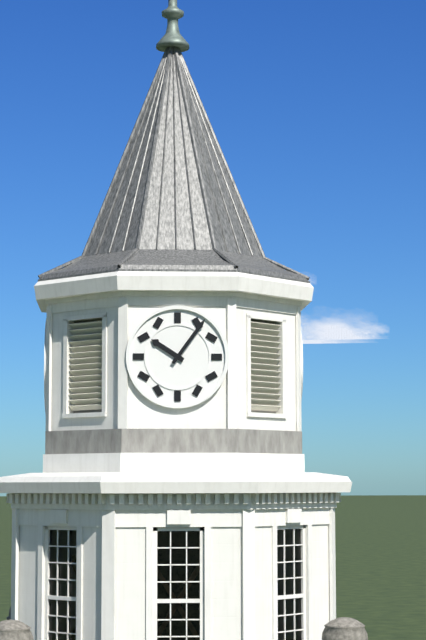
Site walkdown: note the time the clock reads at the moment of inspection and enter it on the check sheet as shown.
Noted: 10:06
